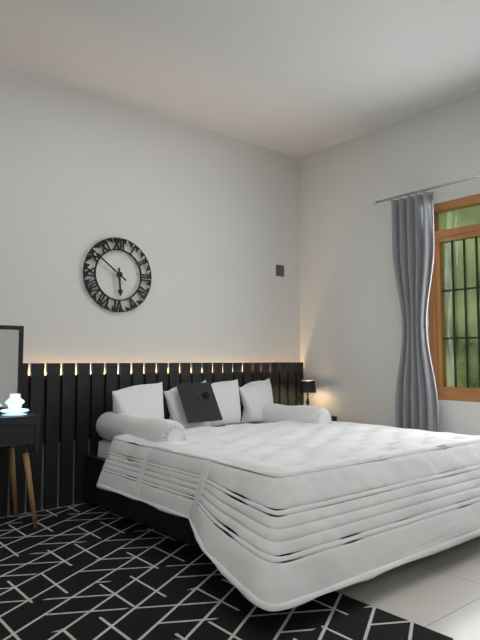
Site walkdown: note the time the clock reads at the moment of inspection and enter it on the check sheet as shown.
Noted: 5:51
